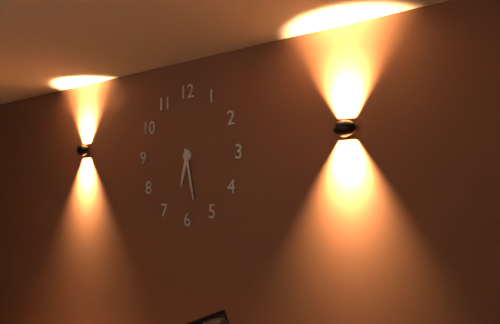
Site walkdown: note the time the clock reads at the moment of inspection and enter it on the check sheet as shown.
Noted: 6:28
